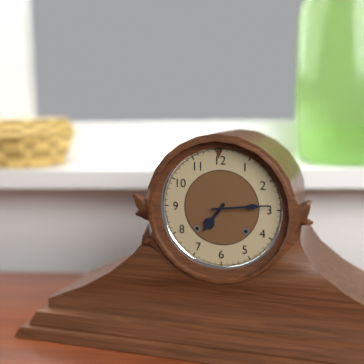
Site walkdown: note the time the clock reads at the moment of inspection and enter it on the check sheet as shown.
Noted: 7:14
